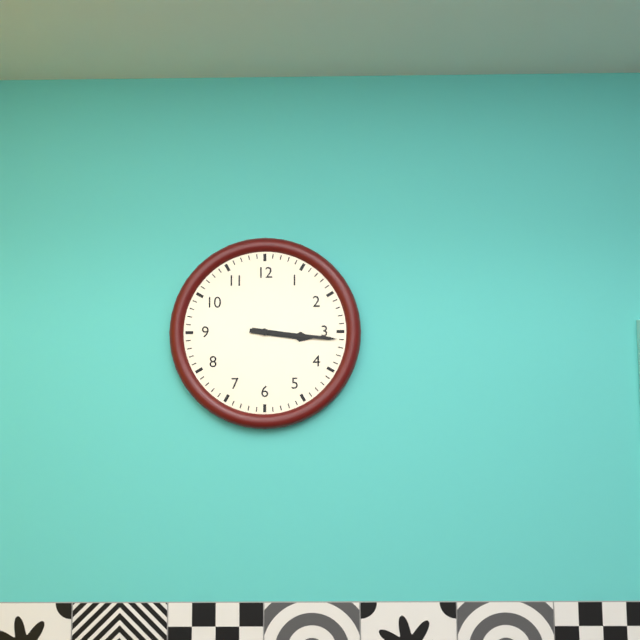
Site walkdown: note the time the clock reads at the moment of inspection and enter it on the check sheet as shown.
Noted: 3:16
